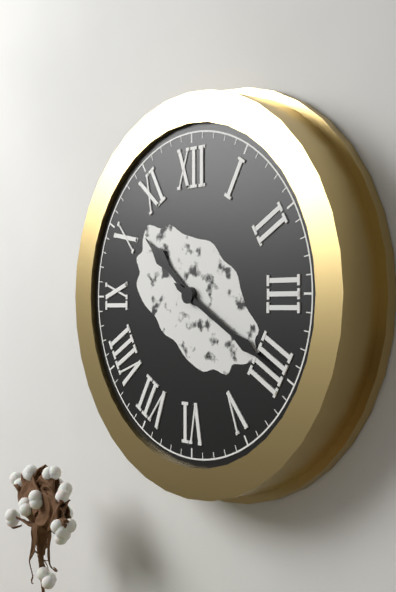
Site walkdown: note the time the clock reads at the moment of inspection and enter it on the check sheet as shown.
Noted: 10:20
